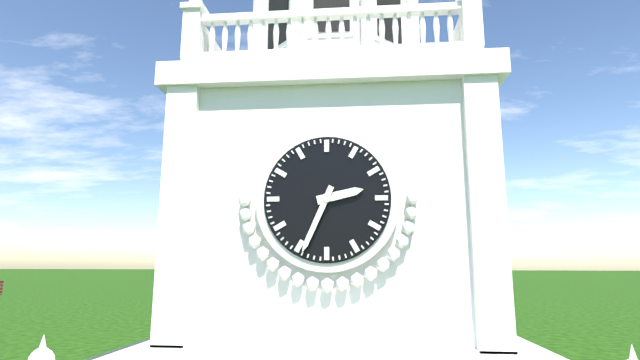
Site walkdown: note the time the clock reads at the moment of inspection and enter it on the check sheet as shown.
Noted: 2:34
